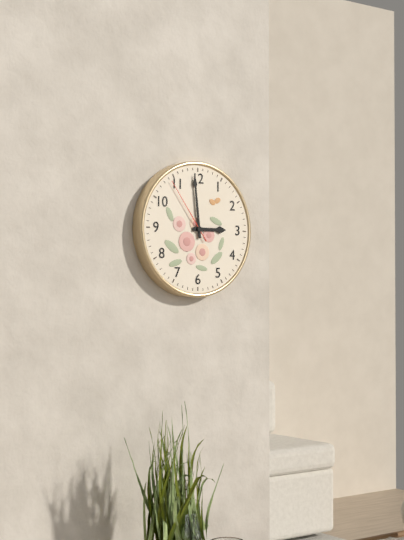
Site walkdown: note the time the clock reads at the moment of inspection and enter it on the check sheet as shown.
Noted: 2:59:54
